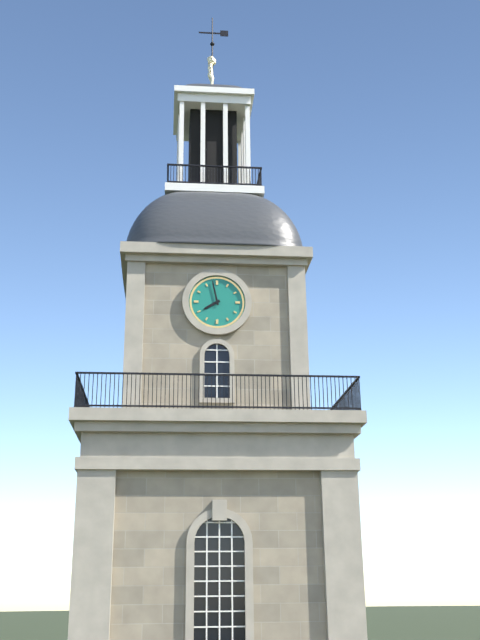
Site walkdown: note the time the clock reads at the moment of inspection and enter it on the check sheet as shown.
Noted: 7:58
